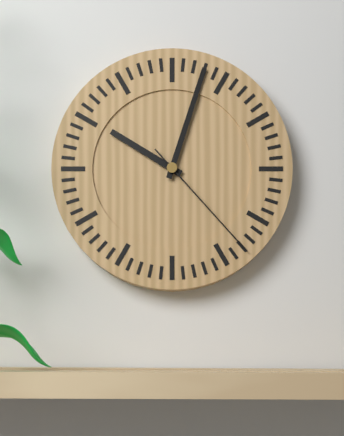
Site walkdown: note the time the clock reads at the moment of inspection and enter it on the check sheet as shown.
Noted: 10:03:23
